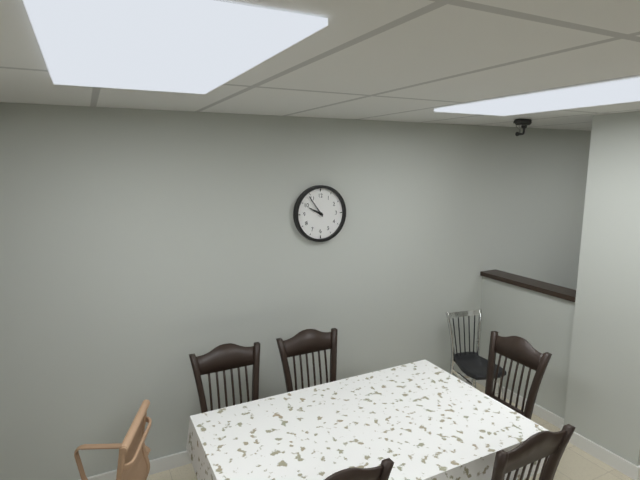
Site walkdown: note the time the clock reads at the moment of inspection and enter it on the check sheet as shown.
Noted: 9:54
